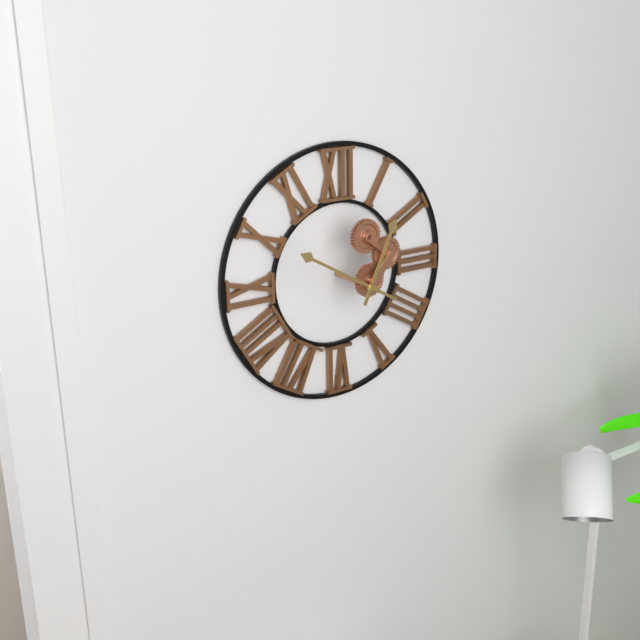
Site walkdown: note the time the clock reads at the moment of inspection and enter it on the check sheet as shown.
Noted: 12:50
